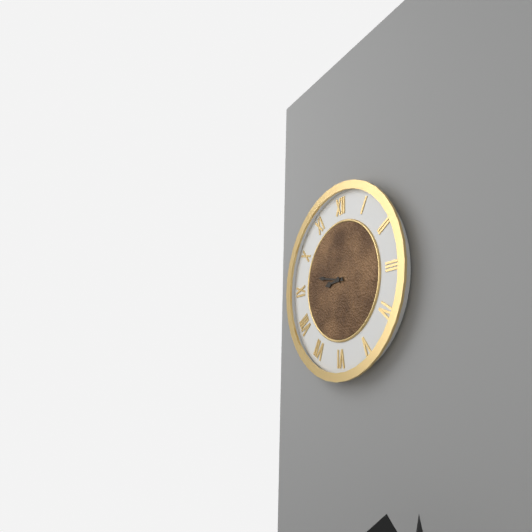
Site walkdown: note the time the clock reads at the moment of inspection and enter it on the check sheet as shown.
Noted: 8:47
